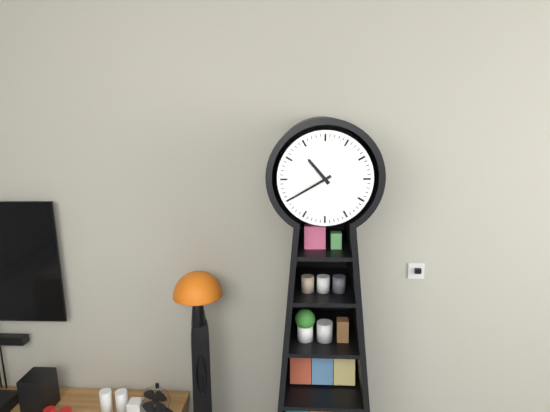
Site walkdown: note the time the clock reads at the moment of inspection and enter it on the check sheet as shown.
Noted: 10:40
